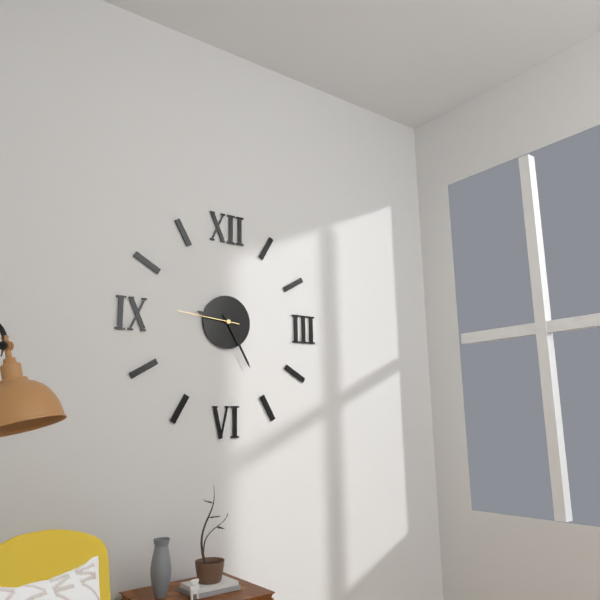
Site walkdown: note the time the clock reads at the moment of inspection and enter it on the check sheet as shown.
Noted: 9:25:46
